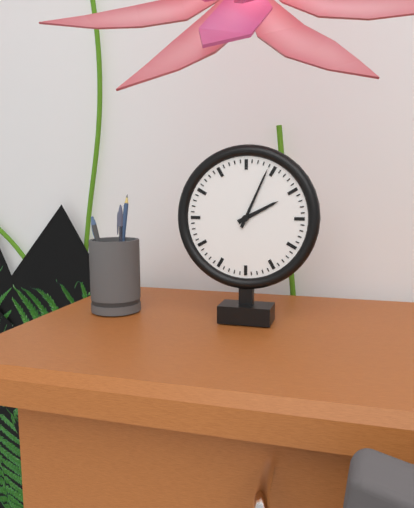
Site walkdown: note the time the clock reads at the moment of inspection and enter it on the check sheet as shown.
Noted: 2:04
